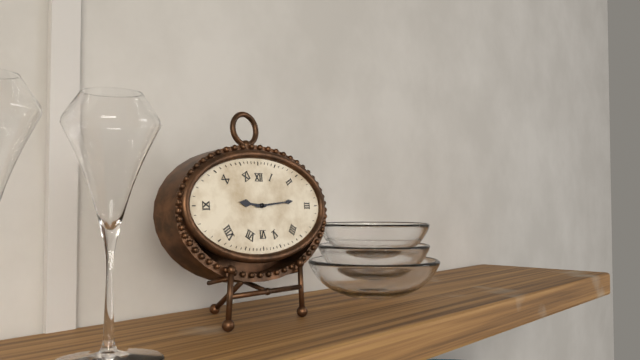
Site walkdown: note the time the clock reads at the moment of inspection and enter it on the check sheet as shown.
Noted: 9:14
